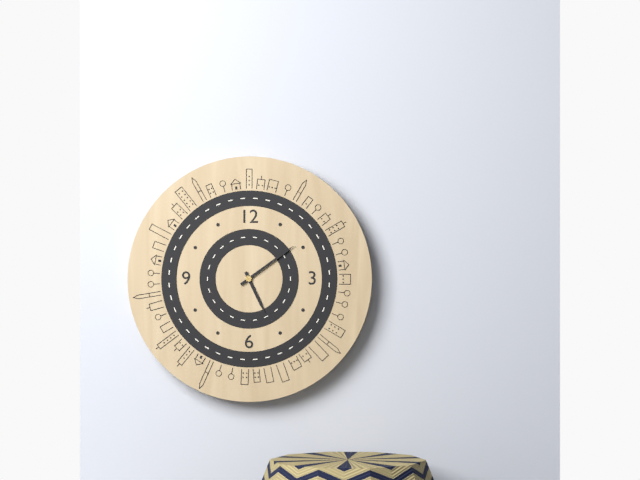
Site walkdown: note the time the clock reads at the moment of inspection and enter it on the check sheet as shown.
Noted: 5:09
